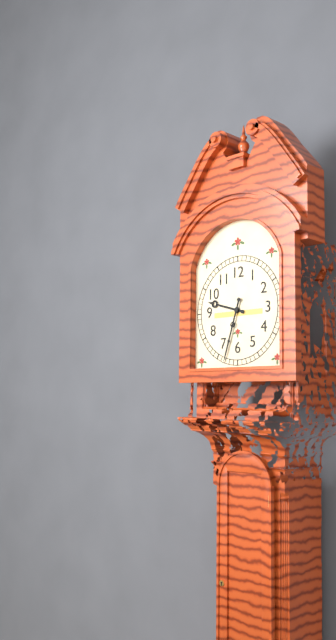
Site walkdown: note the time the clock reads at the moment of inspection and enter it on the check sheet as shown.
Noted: 9:33
